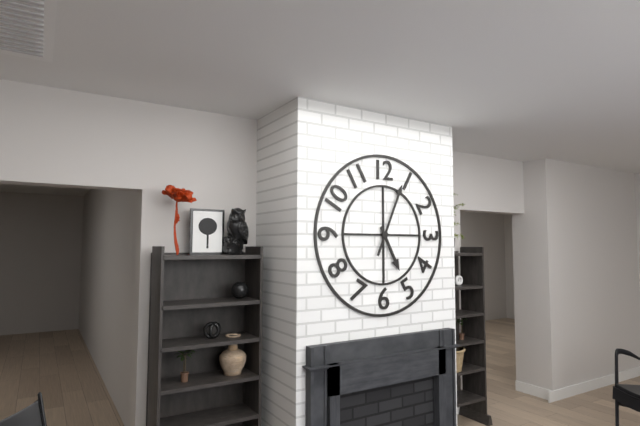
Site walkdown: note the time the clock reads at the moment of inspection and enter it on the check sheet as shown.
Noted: 5:04
